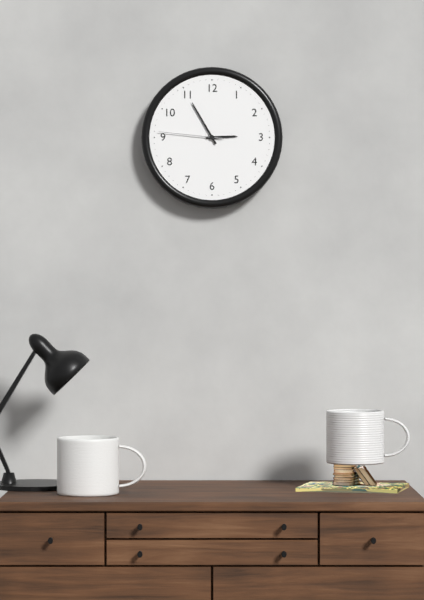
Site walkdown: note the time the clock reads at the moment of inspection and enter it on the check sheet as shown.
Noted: 2:55:46
